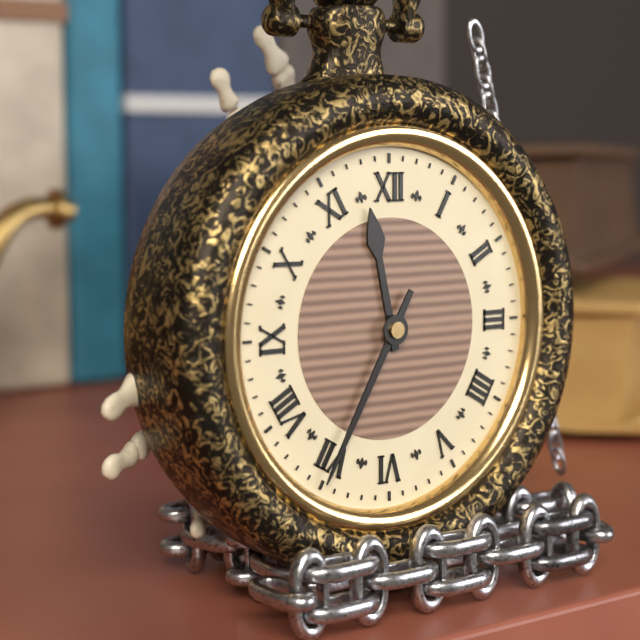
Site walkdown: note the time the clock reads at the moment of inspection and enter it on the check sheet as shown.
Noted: 11:35
